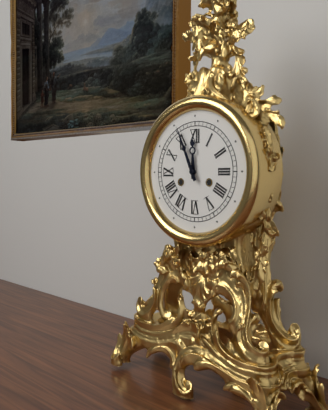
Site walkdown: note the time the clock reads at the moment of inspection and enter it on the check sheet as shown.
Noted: 11:56
